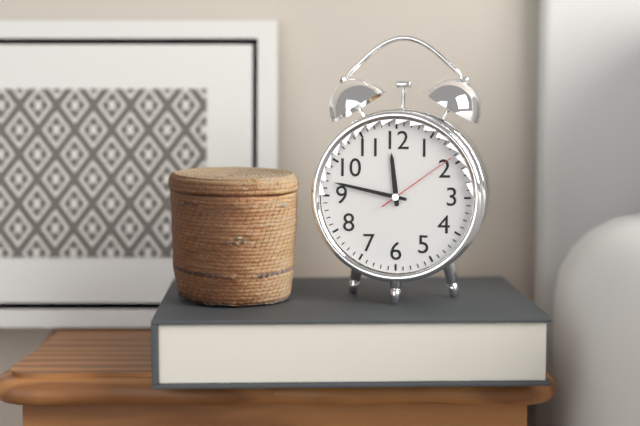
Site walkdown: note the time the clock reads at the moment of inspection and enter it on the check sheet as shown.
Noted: 11:47:09
